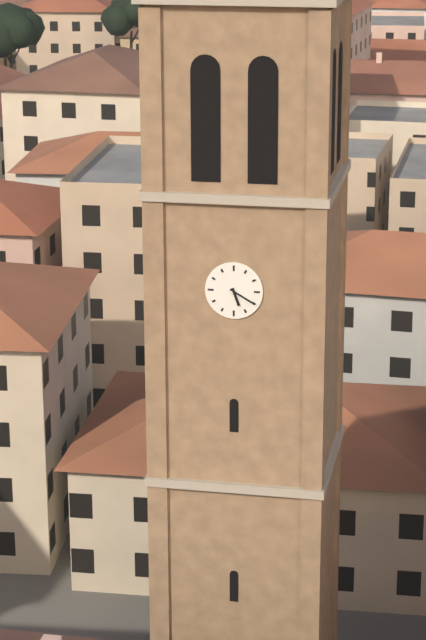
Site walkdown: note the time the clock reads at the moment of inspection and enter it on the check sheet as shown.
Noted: 5:20
